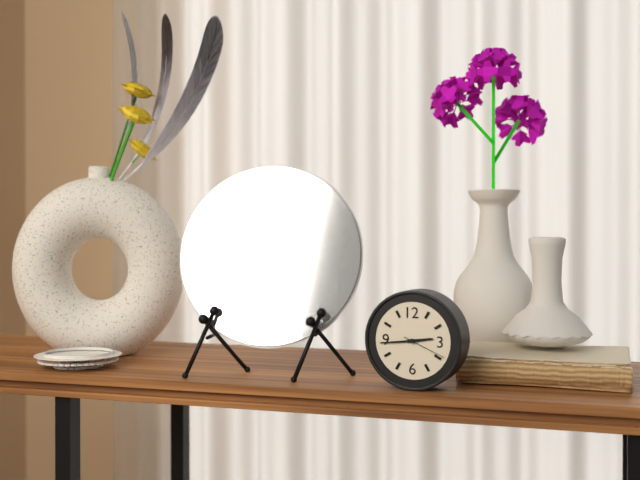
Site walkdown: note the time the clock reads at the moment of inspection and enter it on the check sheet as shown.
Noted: 2:44
